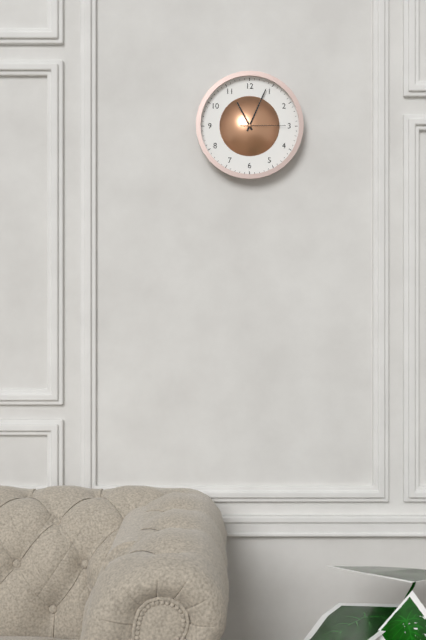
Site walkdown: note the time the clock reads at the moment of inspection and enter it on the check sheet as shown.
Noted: 11:04
